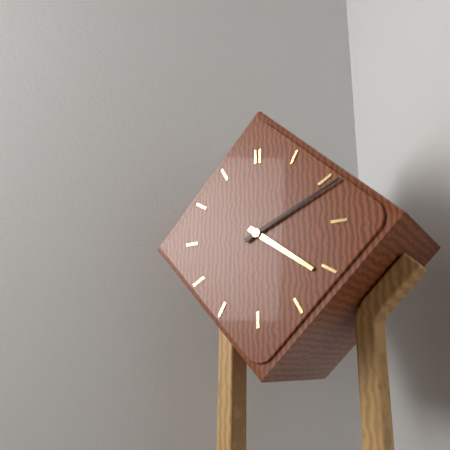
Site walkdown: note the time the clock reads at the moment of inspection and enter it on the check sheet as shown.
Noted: 4:11
